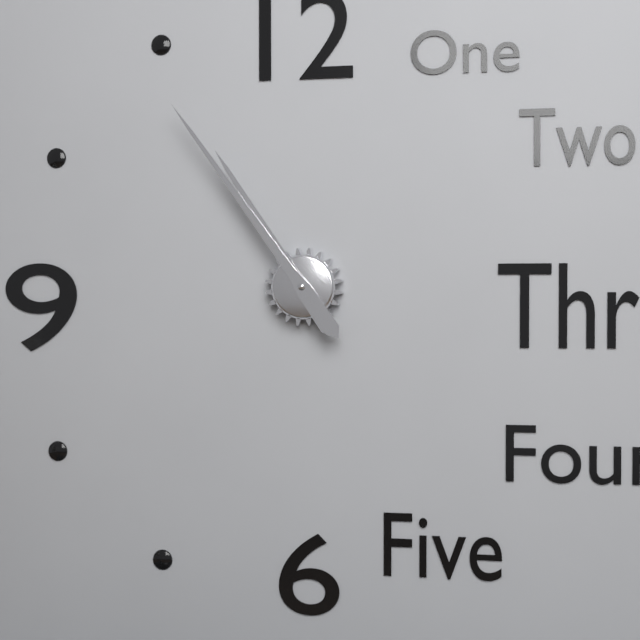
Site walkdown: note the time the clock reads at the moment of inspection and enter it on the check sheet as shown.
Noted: 10:54
